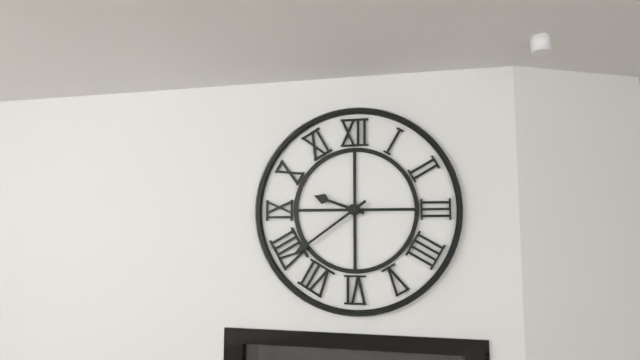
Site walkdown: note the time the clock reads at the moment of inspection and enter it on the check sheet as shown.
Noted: 9:39
